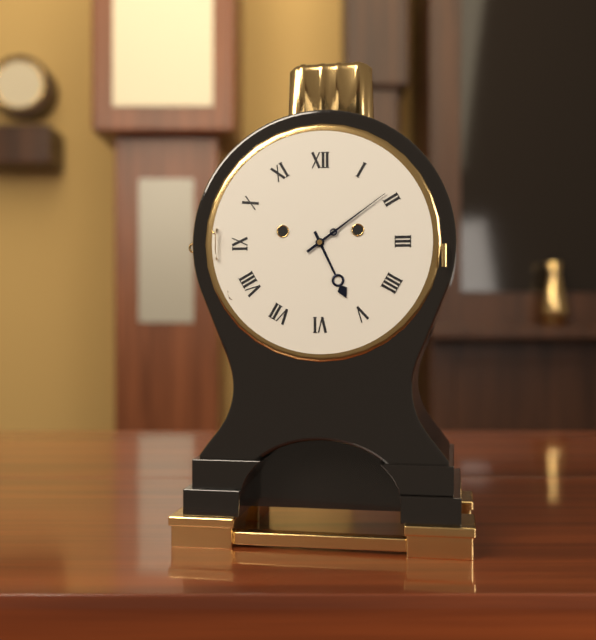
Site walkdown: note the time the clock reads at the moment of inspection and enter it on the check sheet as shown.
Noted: 5:09
